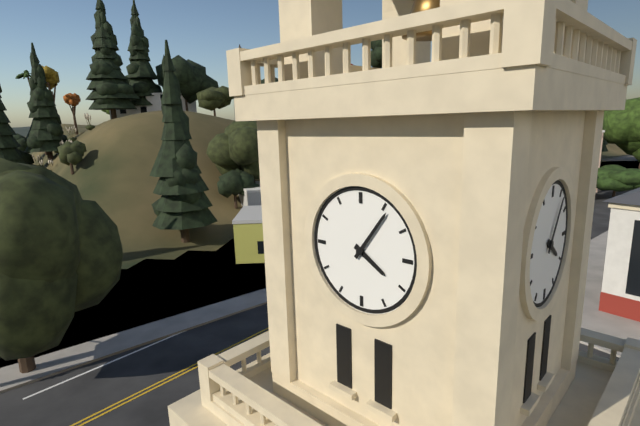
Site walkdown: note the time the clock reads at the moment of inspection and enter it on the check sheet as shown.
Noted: 4:06
